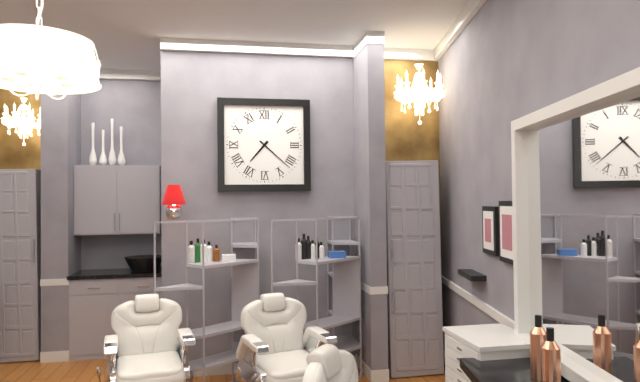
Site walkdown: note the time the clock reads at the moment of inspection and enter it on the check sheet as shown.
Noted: 7:22
